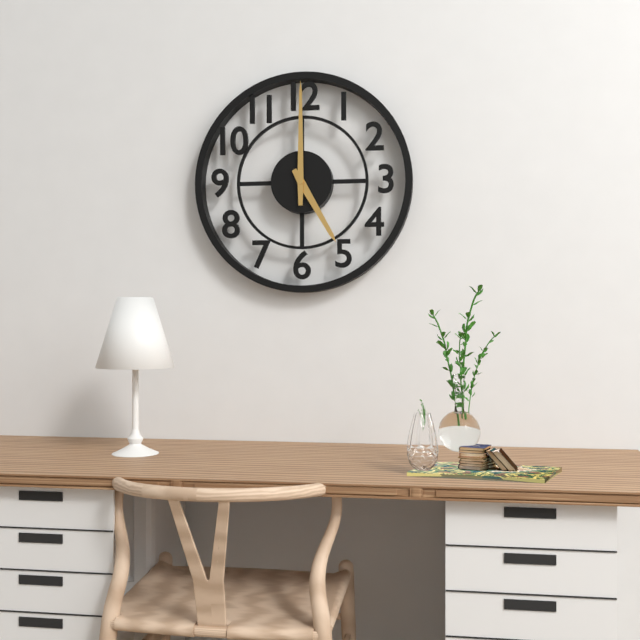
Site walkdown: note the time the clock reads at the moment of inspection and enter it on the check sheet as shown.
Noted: 5:00
